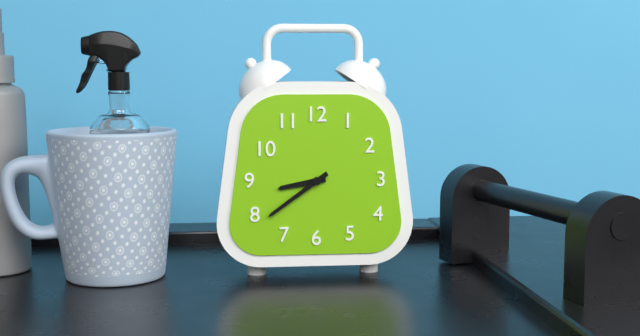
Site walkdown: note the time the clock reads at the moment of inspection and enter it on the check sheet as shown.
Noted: 8:39
